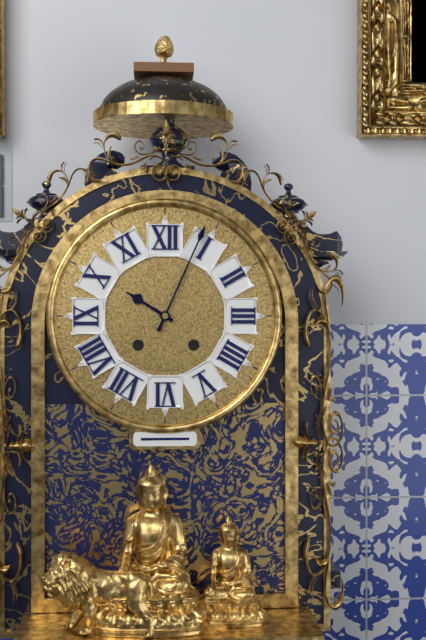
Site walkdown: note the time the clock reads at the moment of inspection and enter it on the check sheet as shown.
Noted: 10:04
